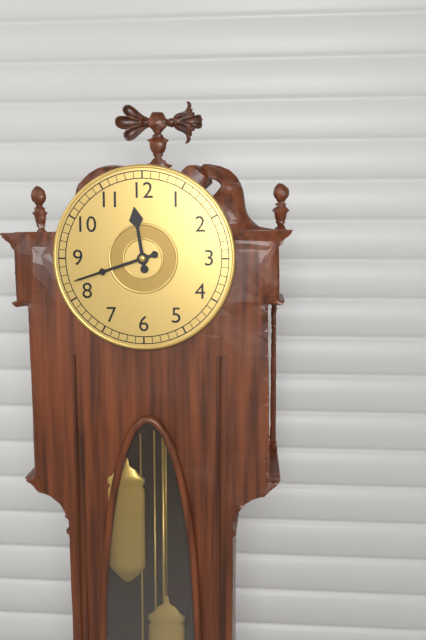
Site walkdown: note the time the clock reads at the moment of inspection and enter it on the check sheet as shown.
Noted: 11:42
